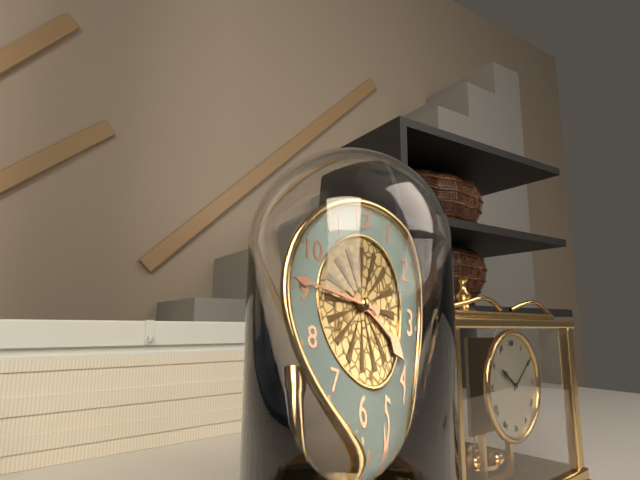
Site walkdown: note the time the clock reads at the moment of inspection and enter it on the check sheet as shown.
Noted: 3:46
